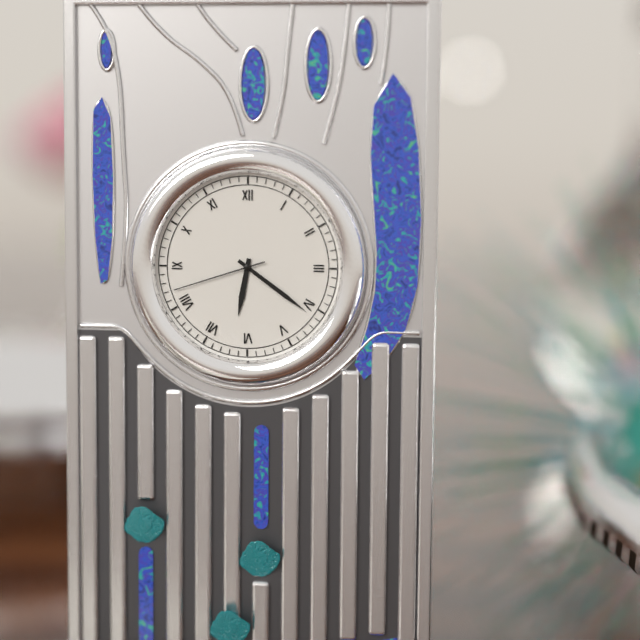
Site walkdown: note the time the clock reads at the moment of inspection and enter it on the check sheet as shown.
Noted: 6:21:42
